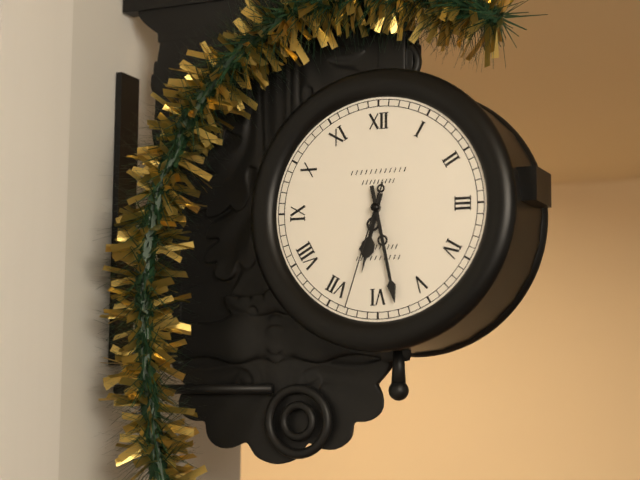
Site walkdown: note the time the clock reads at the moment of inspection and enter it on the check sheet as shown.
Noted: 6:28:33
